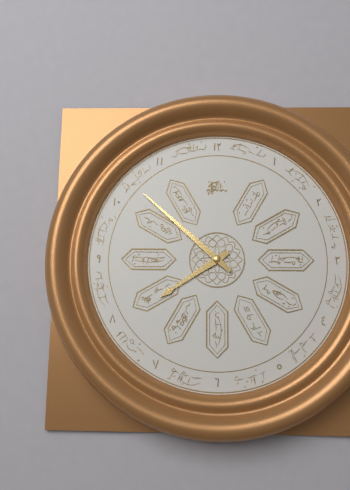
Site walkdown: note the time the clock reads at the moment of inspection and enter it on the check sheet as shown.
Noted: 7:52
